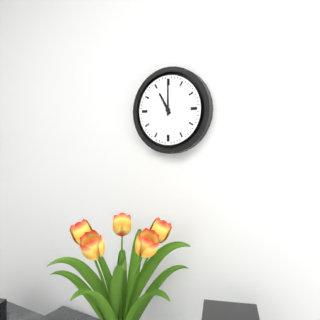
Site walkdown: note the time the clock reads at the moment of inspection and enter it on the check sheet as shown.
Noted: 11:00
